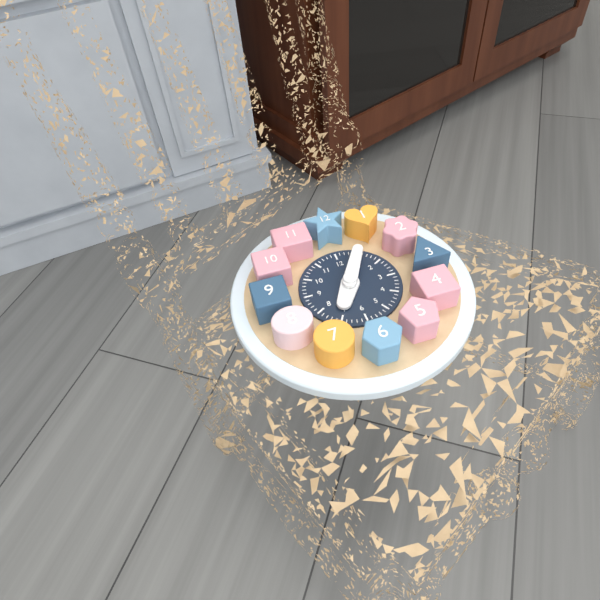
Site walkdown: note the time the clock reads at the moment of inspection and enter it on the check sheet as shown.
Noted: 7:05
